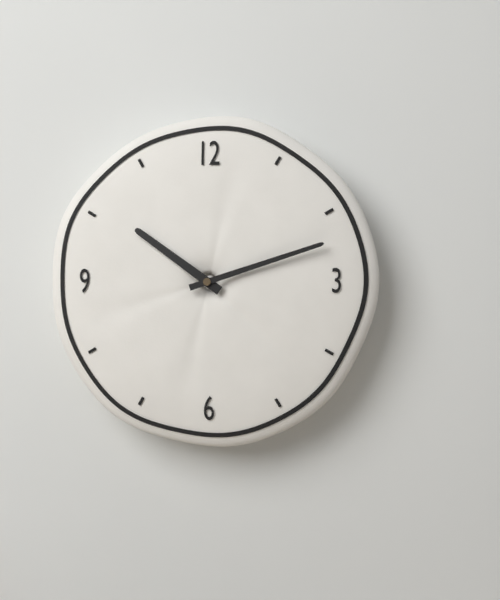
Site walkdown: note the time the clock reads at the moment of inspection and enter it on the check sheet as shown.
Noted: 10:12
